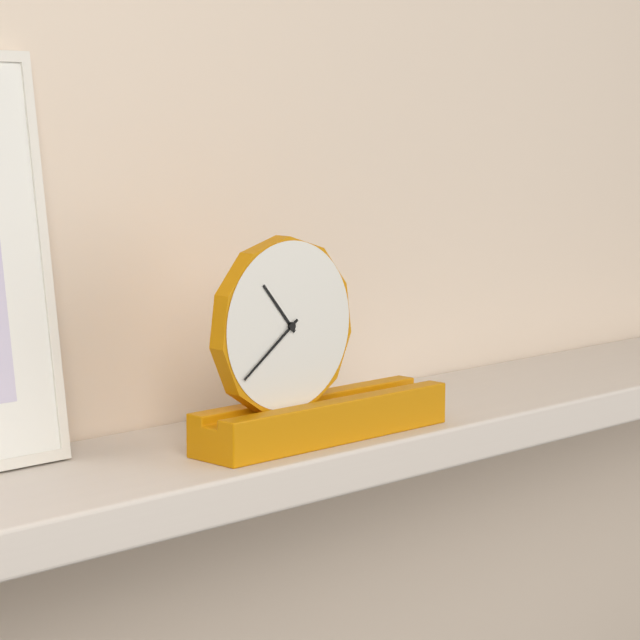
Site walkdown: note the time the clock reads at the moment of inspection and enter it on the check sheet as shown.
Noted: 10:39
